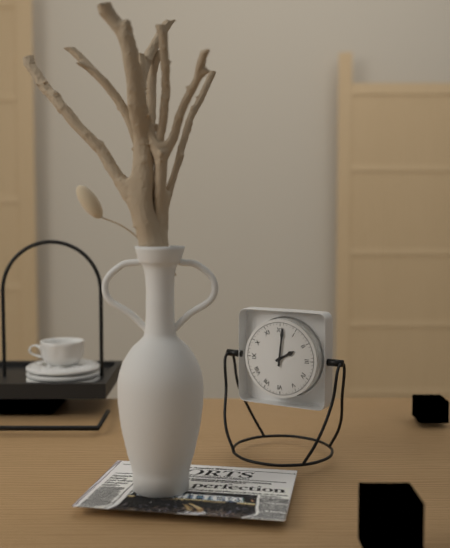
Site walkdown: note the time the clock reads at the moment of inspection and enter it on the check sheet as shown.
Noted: 2:01
